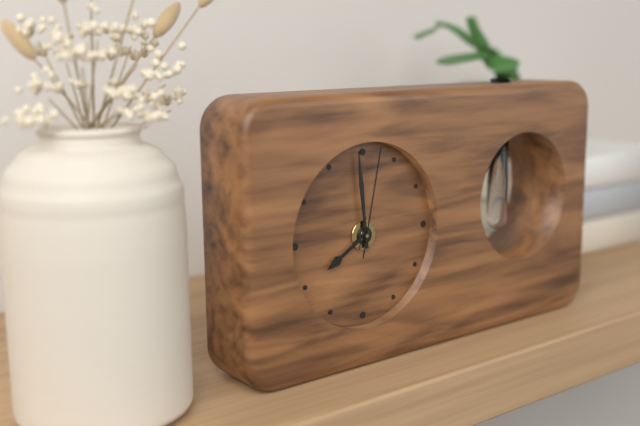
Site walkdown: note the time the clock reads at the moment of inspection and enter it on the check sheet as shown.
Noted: 7:59:02
